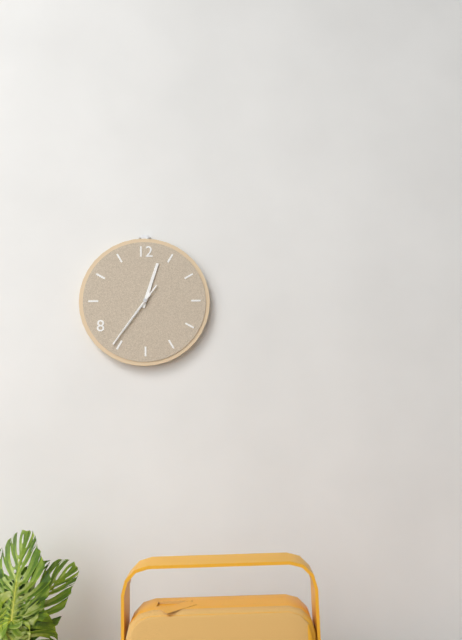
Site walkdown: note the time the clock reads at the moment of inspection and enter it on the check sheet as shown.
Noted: 12:36:36
